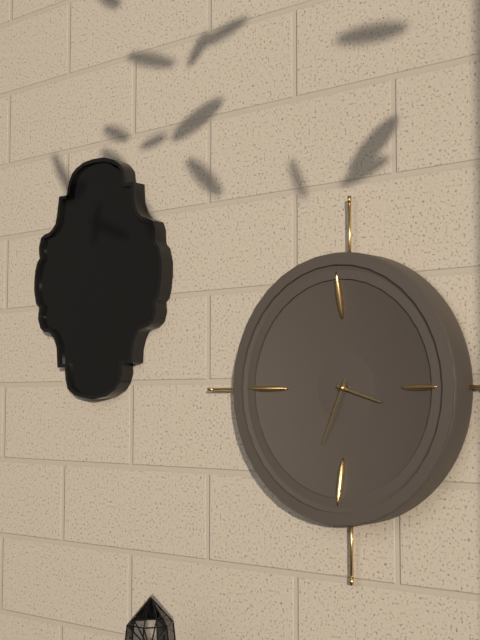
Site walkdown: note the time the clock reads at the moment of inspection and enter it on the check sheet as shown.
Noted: 3:34
